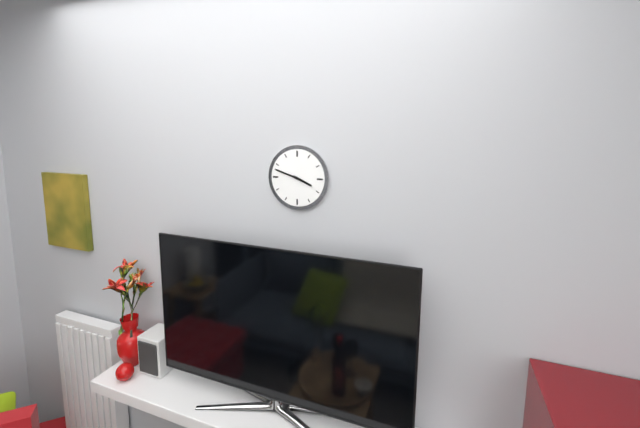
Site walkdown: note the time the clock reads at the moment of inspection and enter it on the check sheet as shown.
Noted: 3:48
